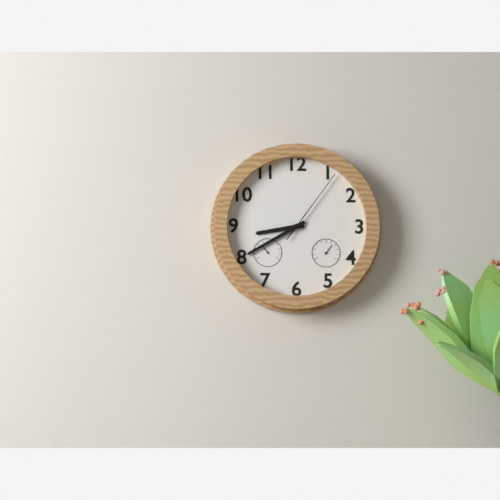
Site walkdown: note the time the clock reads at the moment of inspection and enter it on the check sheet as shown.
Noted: 8:40:06
